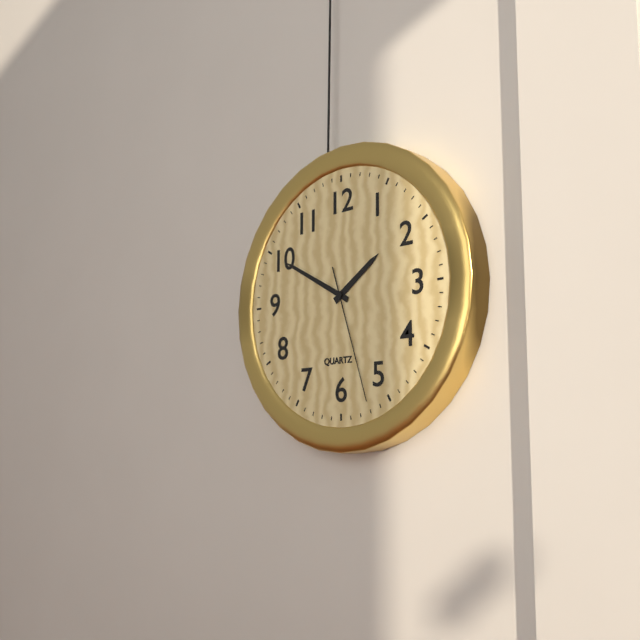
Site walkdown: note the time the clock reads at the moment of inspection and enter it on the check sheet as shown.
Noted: 1:50:27
